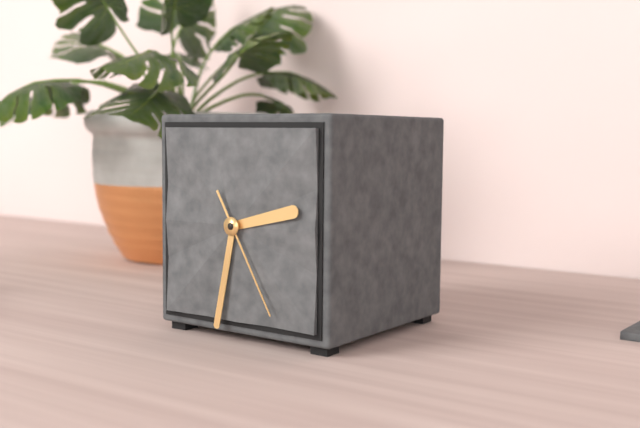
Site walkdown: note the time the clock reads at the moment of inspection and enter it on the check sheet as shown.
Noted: 2:32:25
